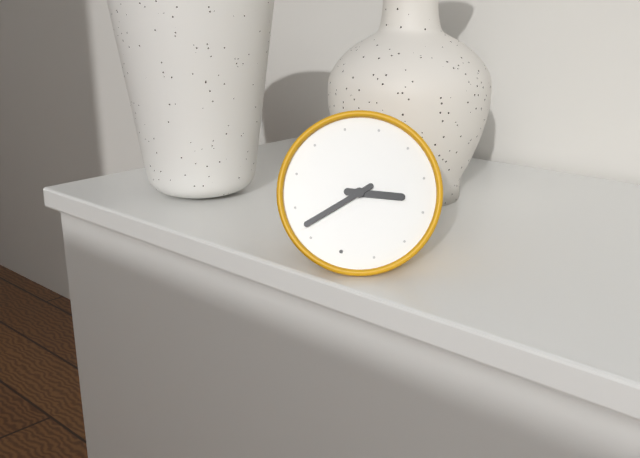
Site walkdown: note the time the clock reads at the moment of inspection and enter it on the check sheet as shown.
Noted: 2:37
